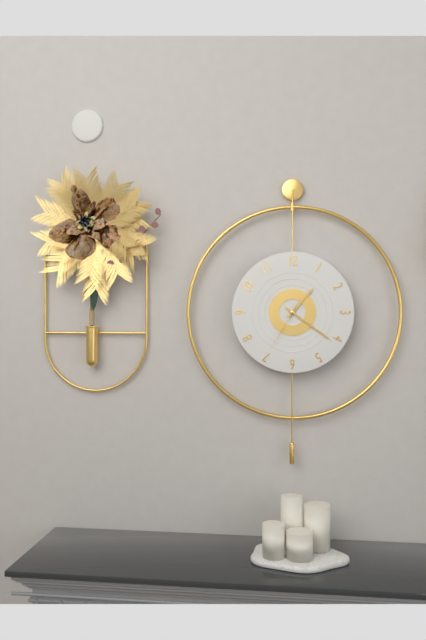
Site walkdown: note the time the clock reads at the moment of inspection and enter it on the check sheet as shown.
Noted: 1:21:35
